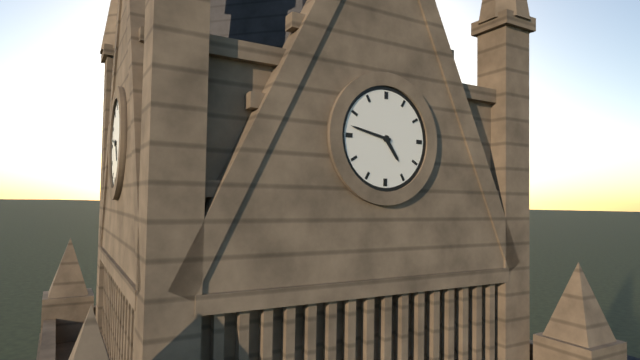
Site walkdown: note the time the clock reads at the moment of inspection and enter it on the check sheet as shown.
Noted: 4:47
